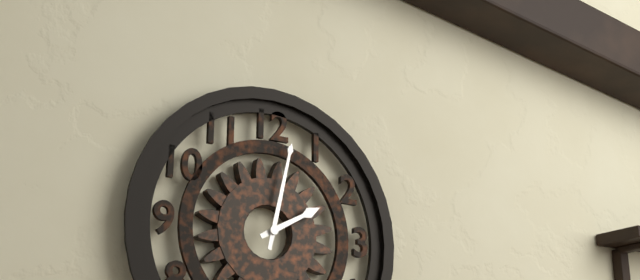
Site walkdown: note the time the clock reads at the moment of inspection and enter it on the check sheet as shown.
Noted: 2:02
